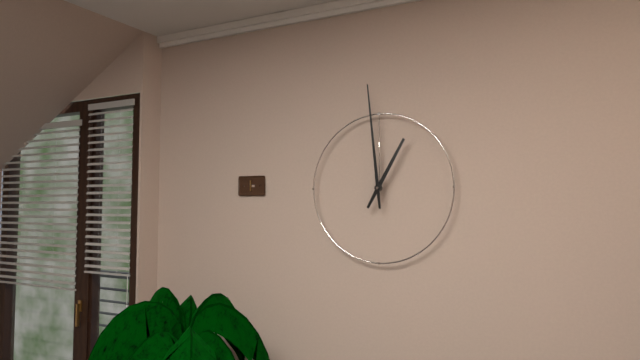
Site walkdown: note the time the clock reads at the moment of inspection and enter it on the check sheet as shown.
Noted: 12:59
